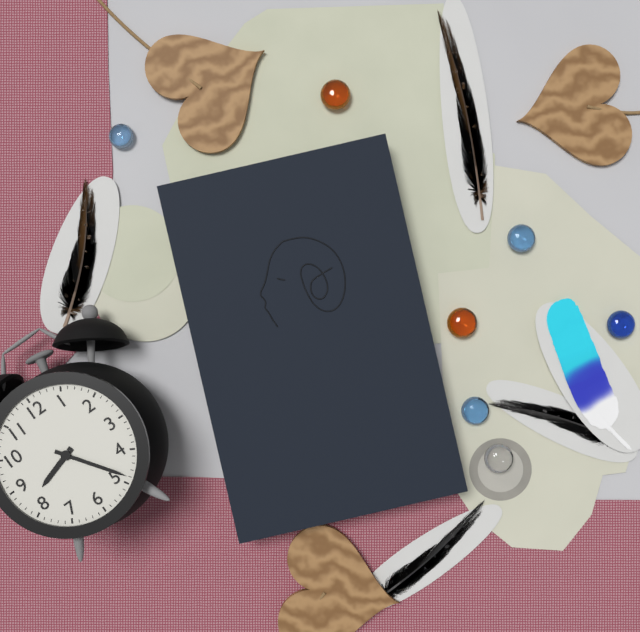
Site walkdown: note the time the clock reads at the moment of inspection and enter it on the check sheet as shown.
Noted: 8:24
